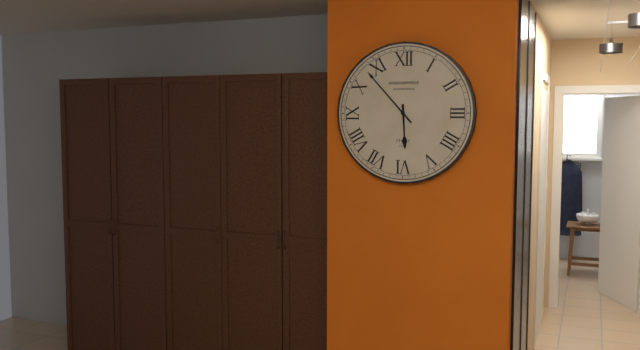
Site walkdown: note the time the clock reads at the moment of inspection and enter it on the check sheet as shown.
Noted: 5:53
